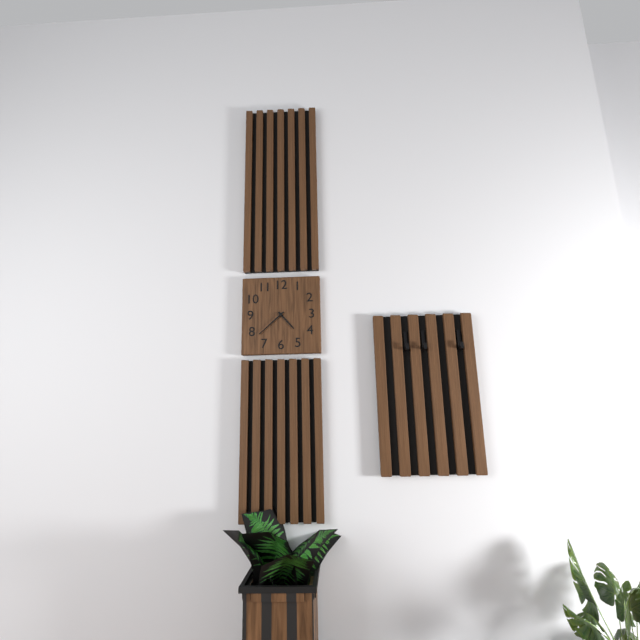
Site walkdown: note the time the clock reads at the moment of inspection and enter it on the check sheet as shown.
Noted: 4:38
